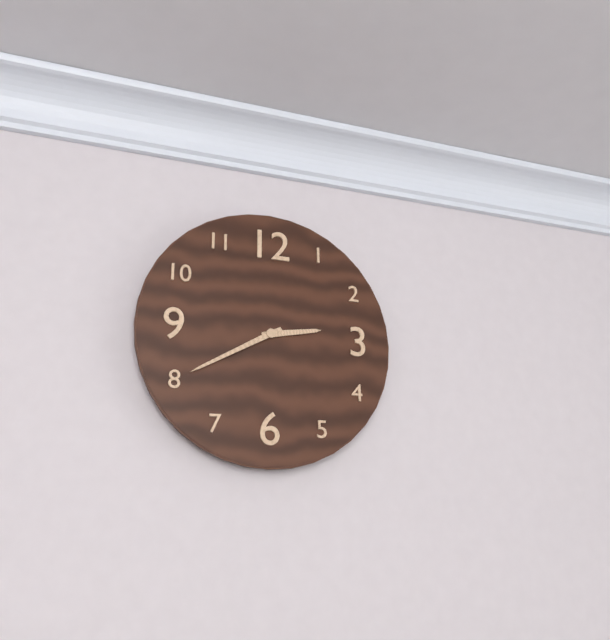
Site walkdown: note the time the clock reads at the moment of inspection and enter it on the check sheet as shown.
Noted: 2:40
